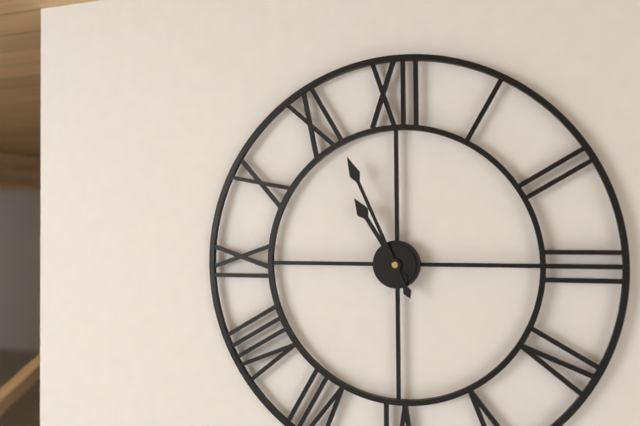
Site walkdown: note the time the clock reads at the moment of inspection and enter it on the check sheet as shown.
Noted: 10:56
